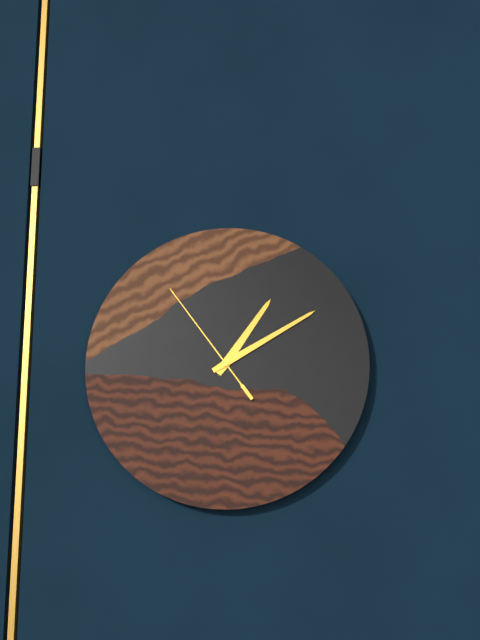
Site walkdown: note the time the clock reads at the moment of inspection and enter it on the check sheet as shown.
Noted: 1:10:54
